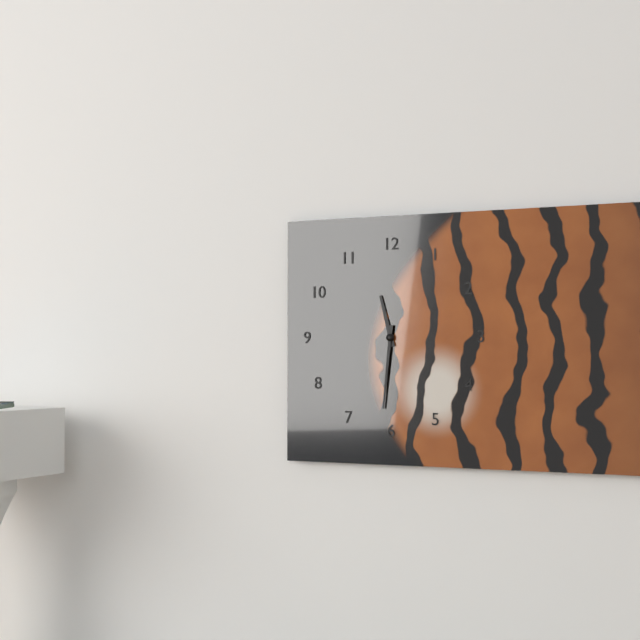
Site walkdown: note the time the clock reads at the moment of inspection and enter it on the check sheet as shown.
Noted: 11:31
